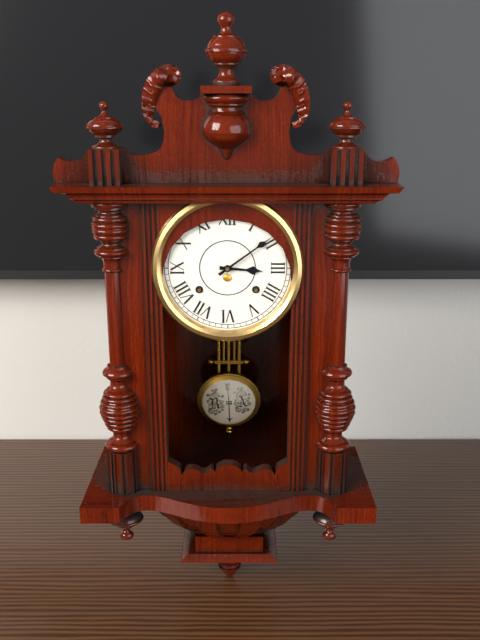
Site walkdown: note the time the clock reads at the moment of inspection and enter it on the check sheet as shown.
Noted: 3:09
